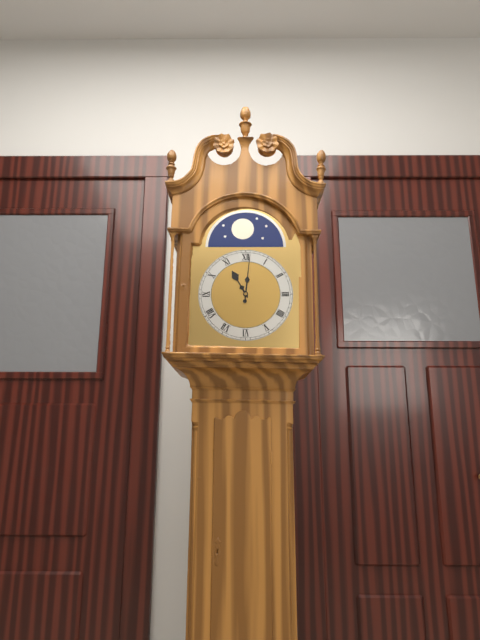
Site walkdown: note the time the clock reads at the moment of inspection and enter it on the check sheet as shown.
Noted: 11:01
